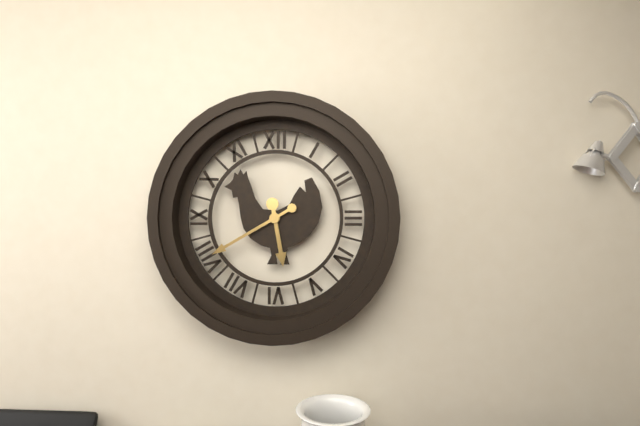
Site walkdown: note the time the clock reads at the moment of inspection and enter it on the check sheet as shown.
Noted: 5:40
